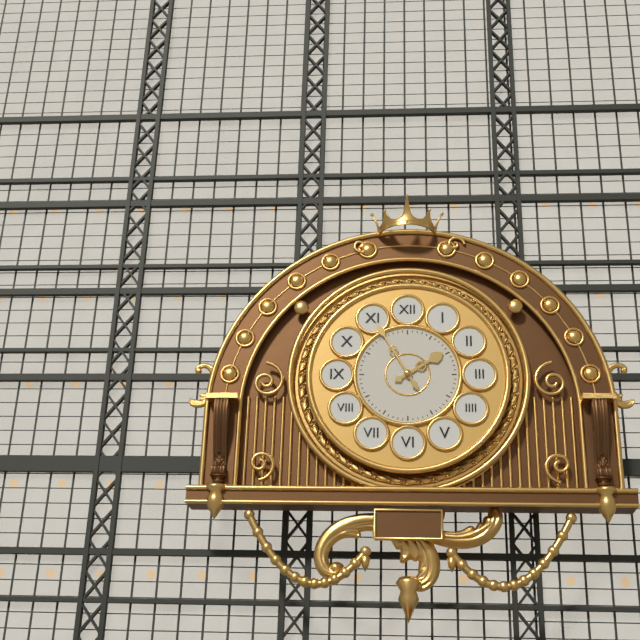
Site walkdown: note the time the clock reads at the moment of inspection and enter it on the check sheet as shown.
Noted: 1:55
